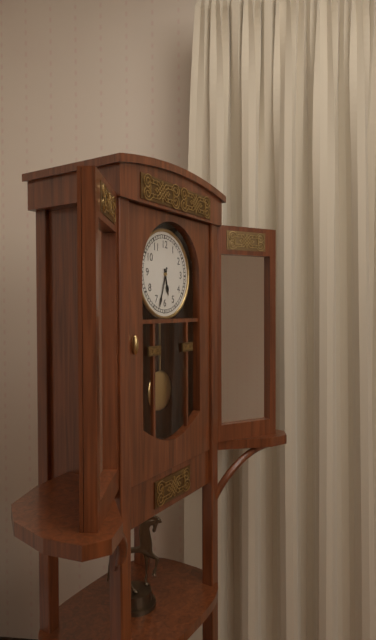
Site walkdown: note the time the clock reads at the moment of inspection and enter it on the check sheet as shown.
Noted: 5:33
